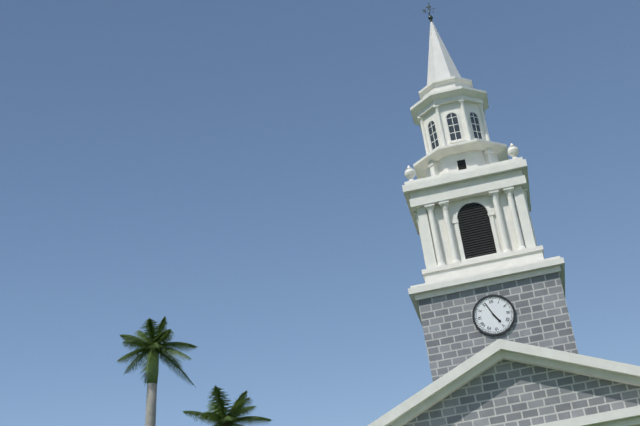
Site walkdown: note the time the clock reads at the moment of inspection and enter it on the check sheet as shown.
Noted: 4:56
